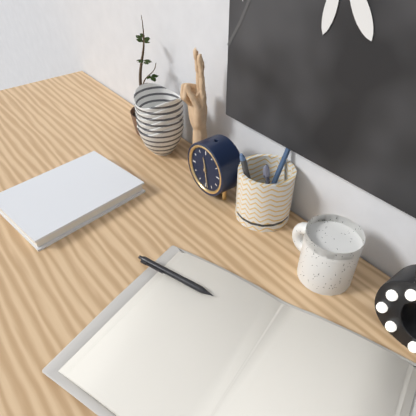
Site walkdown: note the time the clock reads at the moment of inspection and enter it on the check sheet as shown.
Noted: 11:28
